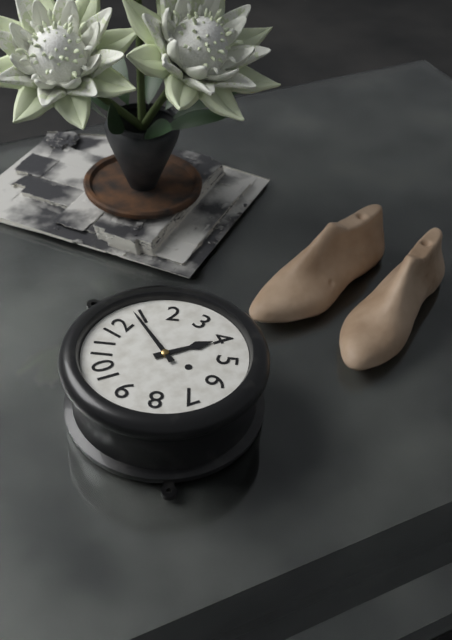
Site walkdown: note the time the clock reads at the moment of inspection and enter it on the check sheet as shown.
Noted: 4:04
